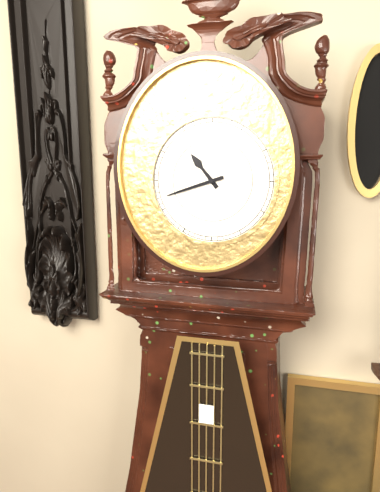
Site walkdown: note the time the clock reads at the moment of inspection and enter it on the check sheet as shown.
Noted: 10:42
